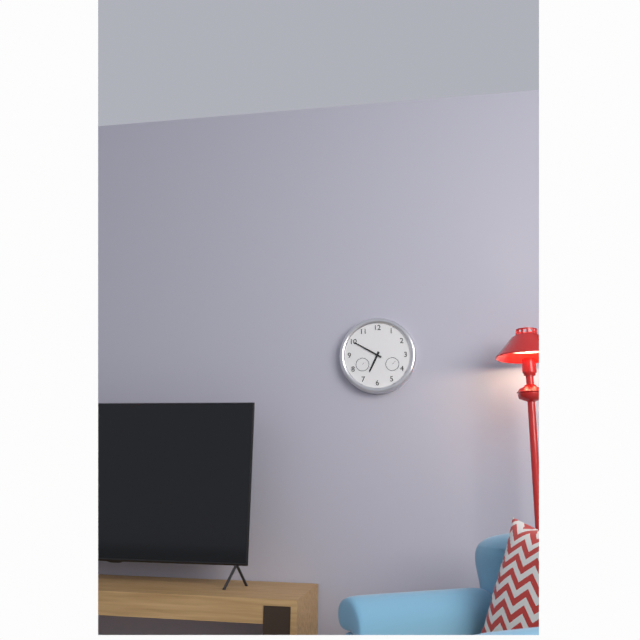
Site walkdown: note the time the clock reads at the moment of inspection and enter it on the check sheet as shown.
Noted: 6:50
